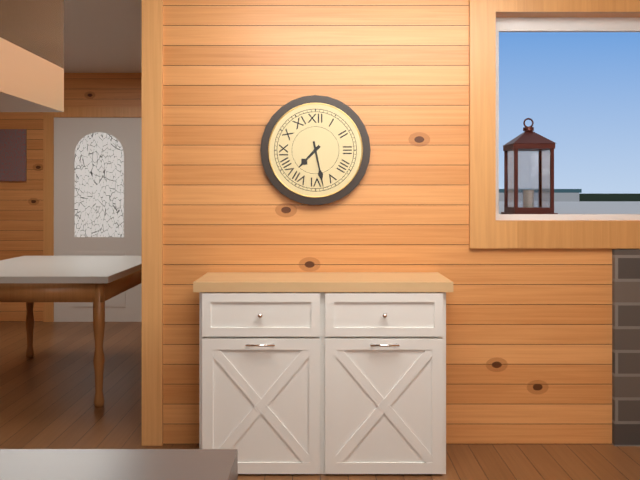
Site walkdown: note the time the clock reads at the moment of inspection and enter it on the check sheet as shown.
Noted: 7:28
